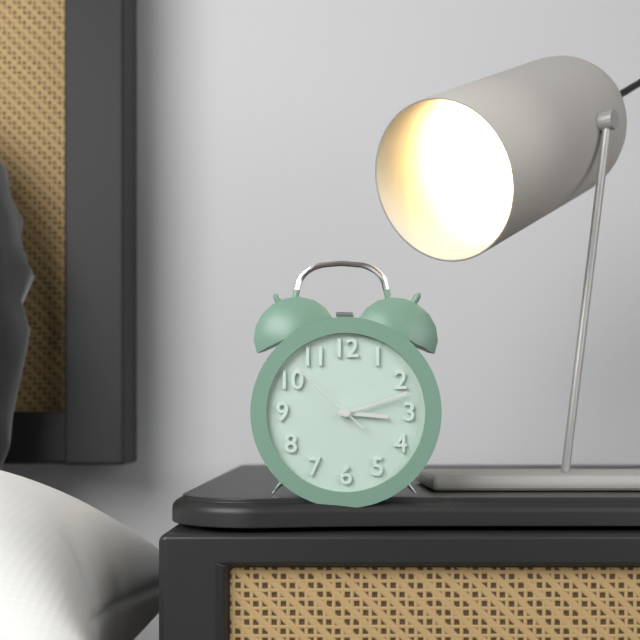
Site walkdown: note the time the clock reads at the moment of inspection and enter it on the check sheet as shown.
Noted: 3:12:52
